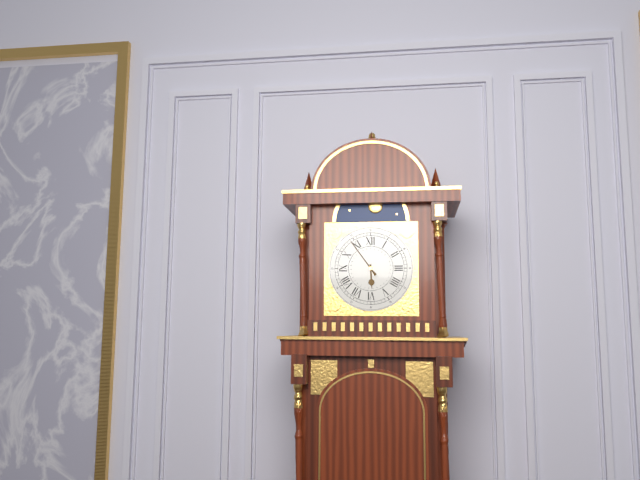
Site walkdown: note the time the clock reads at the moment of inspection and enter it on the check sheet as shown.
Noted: 5:54
